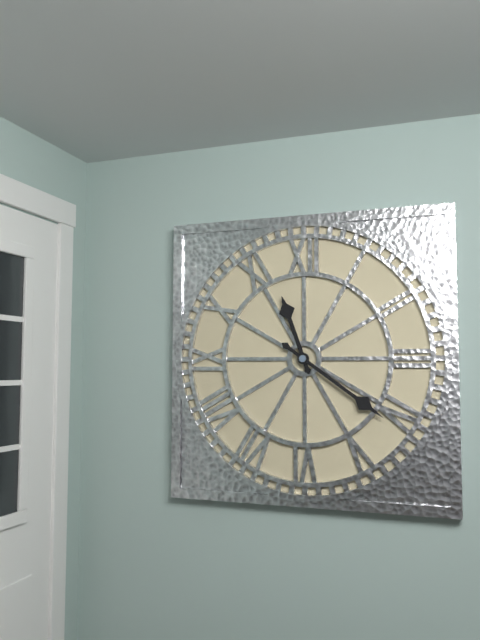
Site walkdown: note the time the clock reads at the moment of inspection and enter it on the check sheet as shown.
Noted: 11:21
